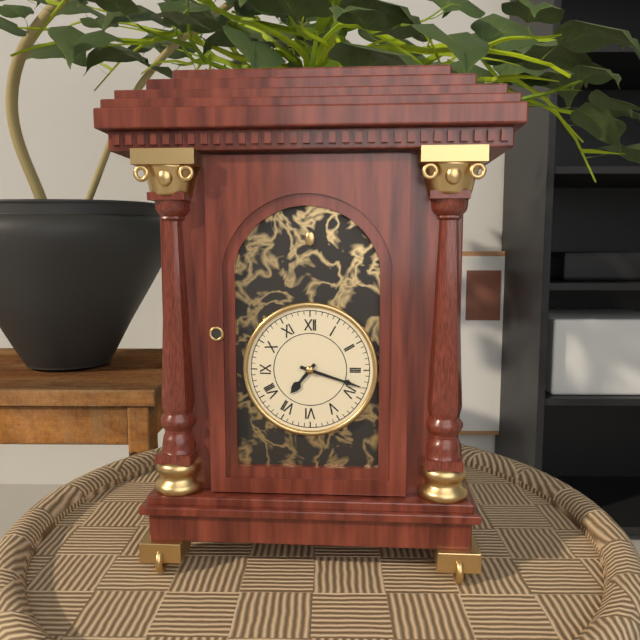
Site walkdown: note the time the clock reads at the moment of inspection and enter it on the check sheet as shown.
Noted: 7:18
